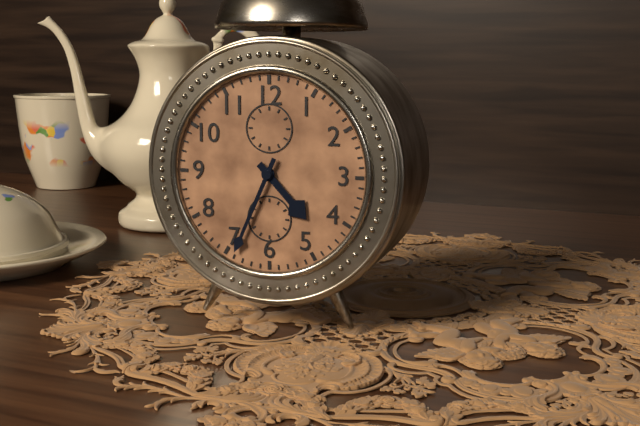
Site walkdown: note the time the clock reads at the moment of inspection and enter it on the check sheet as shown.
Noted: 4:34
